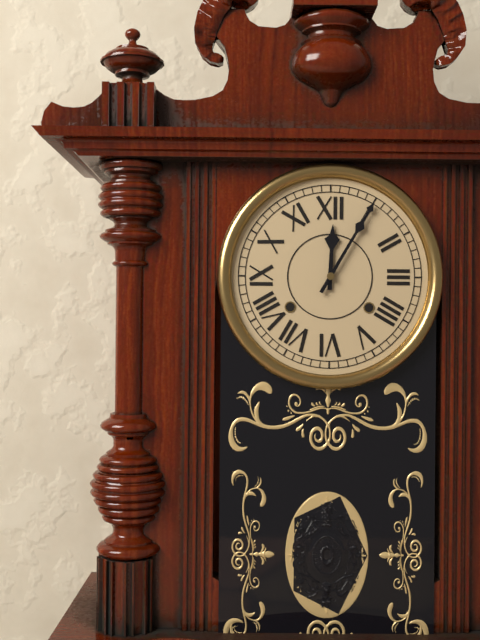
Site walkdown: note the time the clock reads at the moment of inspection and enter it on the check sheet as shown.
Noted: 12:05
